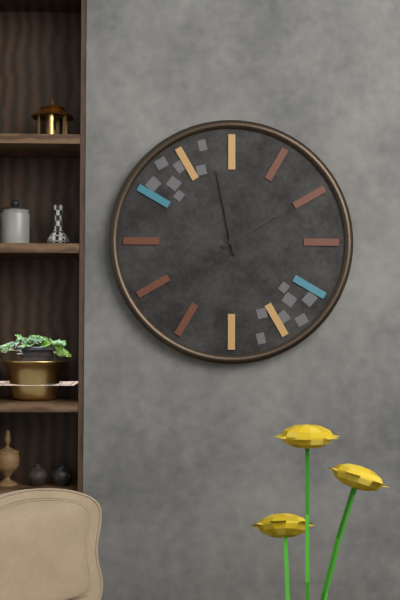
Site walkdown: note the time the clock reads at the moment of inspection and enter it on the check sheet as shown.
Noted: 1:58
